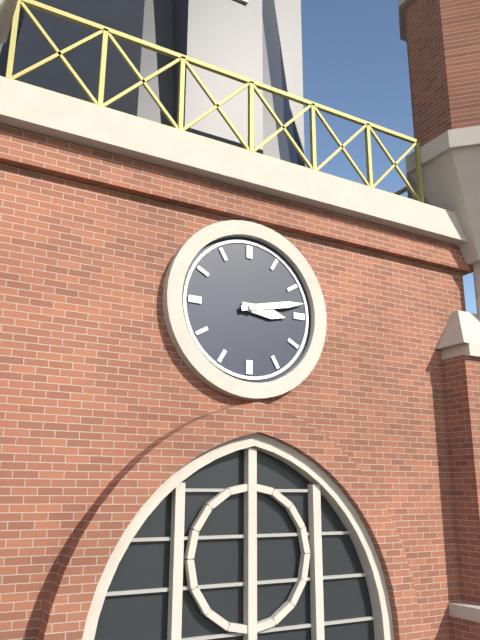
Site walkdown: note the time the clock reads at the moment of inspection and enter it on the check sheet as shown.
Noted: 3:13
